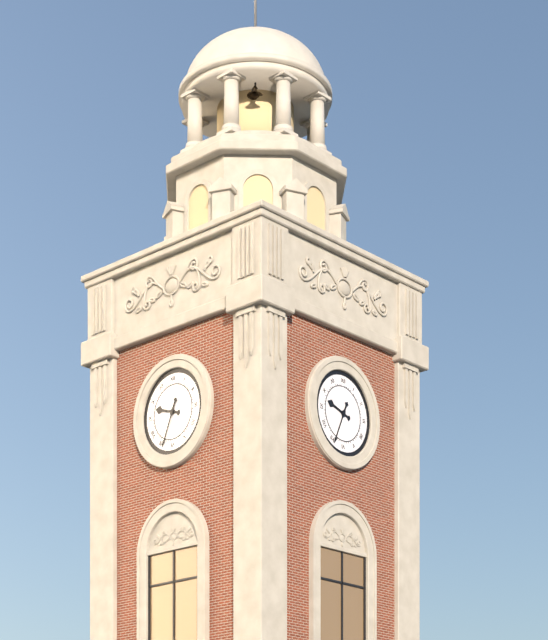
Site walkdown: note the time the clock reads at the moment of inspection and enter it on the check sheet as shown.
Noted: 9:34
